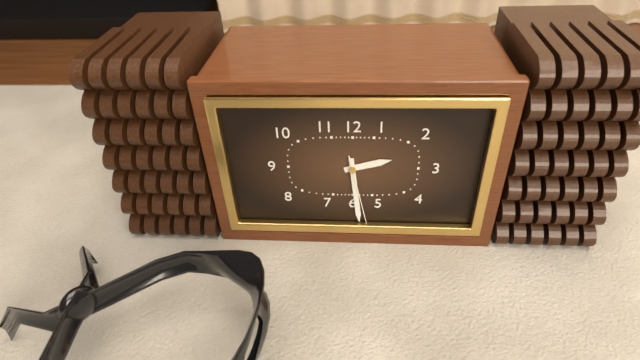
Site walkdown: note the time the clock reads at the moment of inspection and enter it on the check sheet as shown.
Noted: 2:29:28
